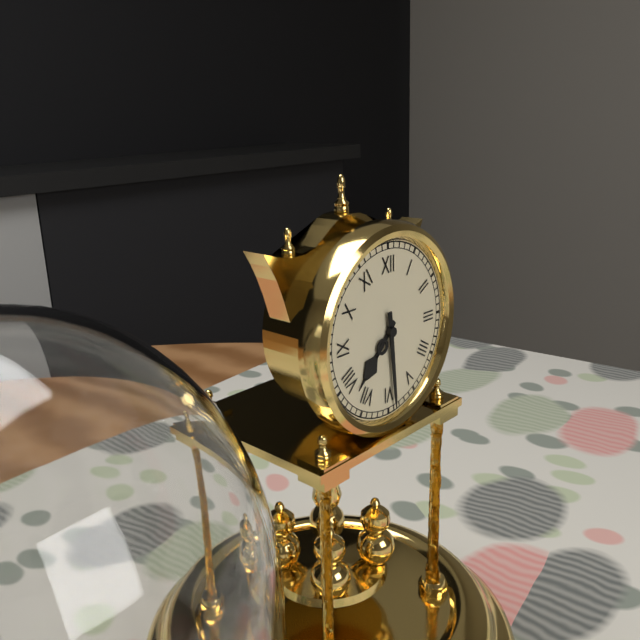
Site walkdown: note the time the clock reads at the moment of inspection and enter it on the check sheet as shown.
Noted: 7:29
